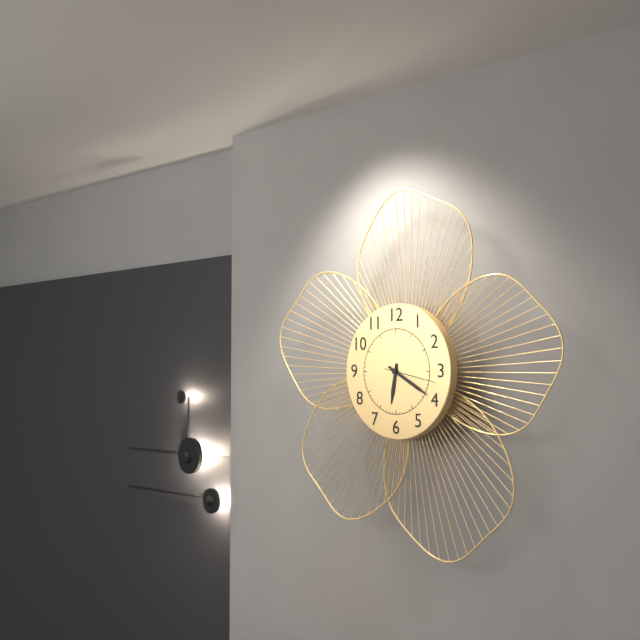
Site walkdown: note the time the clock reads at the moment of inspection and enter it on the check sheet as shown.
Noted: 6:20:17
